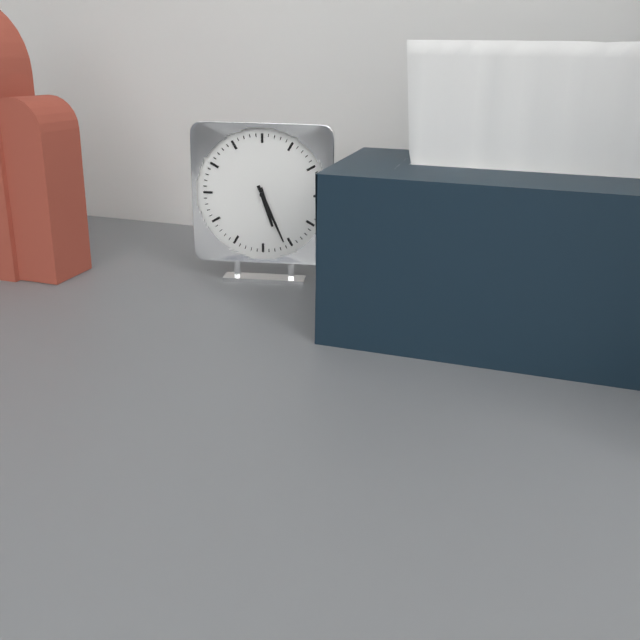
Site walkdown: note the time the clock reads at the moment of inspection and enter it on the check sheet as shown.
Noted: 5:26
